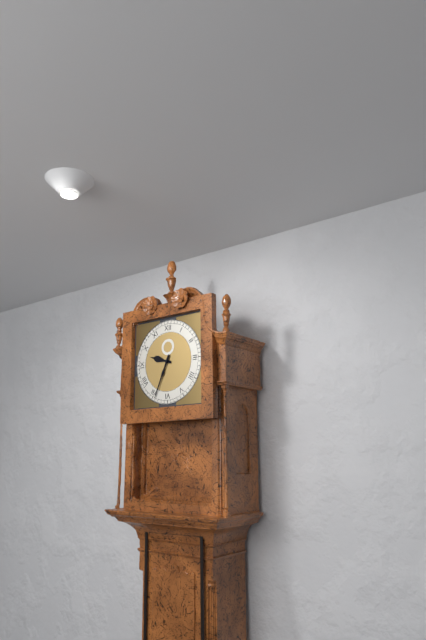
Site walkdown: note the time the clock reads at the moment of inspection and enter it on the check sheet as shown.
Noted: 9:34
